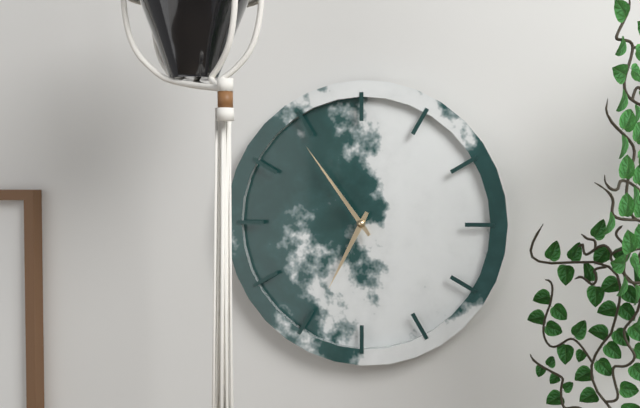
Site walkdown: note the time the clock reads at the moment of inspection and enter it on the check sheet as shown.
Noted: 6:54
